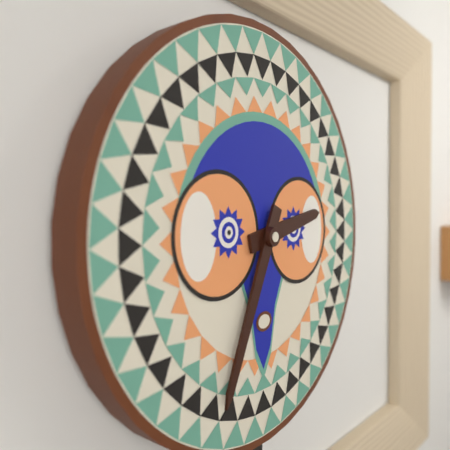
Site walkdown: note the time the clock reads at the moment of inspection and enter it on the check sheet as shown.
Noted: 2:34
